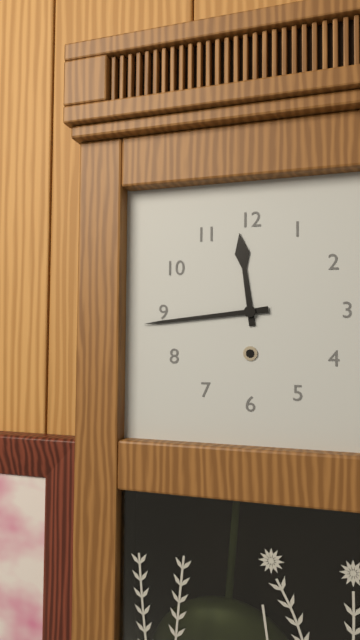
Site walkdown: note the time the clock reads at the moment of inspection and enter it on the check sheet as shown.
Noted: 11:44
